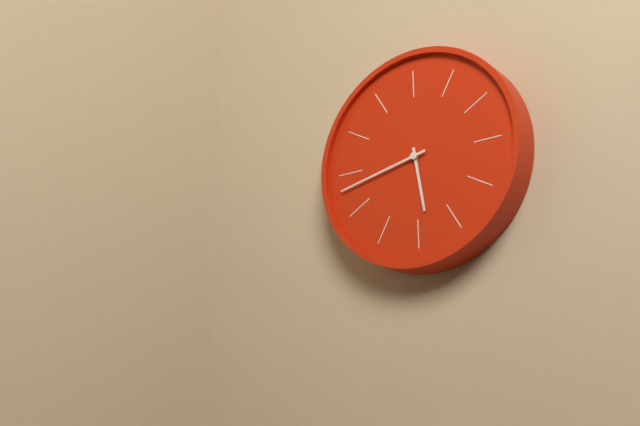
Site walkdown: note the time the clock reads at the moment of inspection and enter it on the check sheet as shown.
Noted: 5:43
